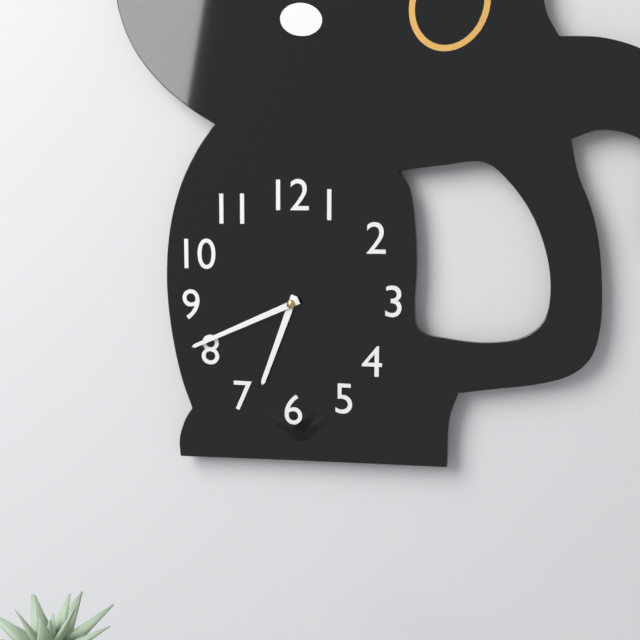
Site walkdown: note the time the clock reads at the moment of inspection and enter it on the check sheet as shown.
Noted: 6:41
